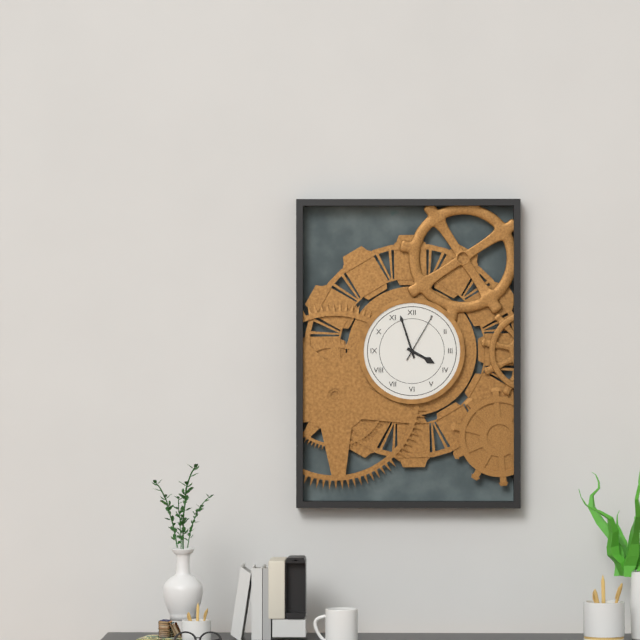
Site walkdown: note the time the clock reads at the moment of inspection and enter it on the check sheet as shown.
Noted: 3:57:05
